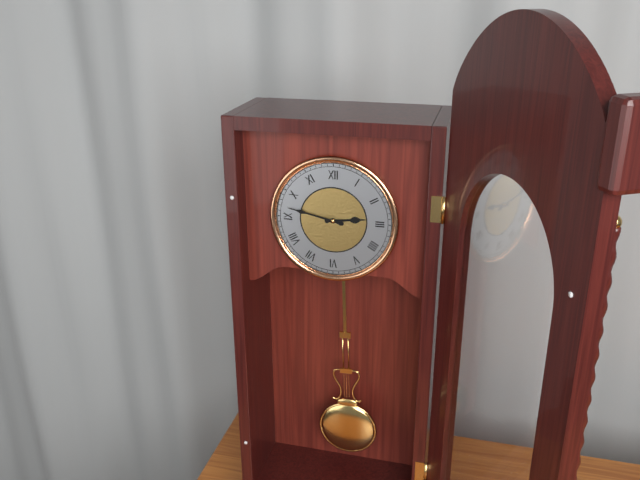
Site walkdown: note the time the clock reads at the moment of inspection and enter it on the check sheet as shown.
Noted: 2:47
